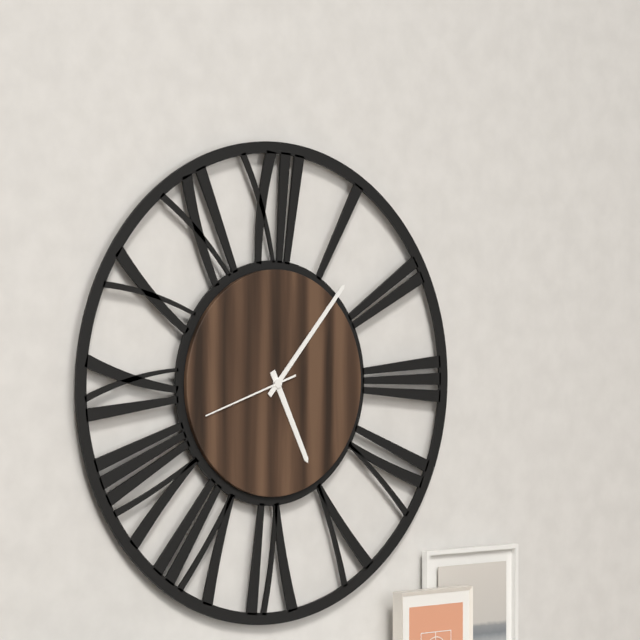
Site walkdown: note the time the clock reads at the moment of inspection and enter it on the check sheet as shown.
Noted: 5:07:42
